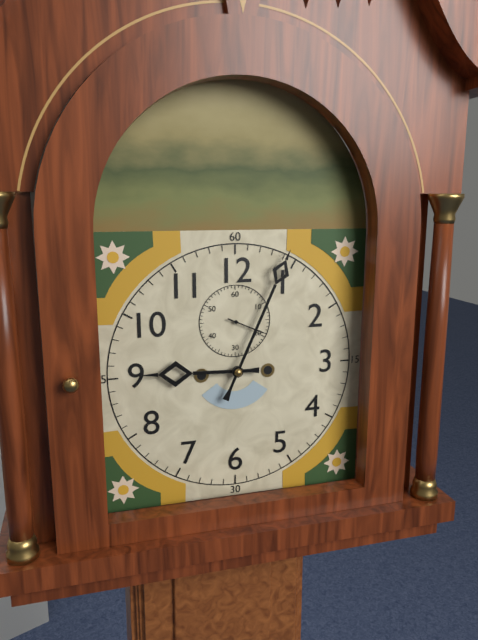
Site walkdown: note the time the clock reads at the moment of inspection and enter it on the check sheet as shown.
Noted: 9:04
